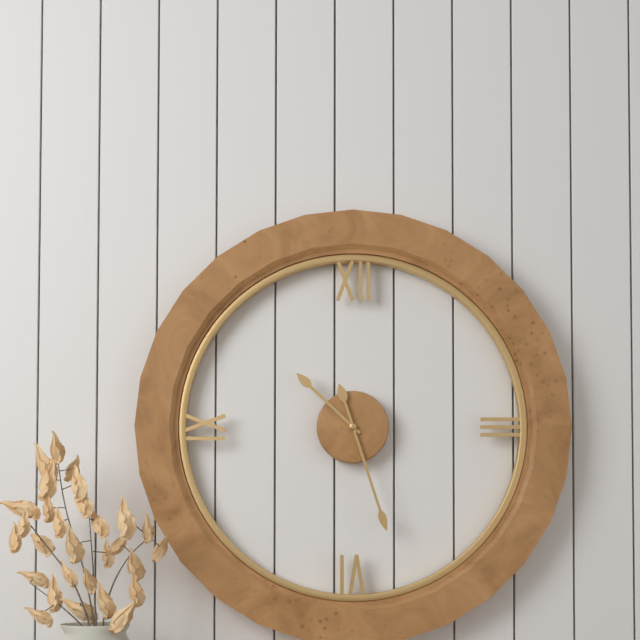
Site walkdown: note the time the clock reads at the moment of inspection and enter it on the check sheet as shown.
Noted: 10:27
